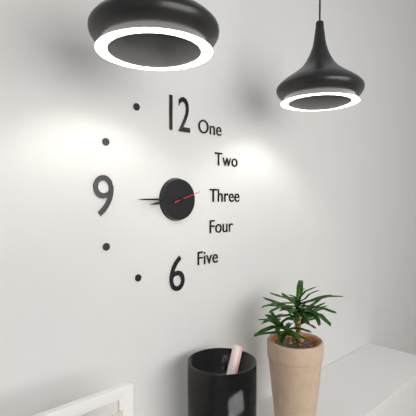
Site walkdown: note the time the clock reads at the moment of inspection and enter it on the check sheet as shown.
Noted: 8:45
